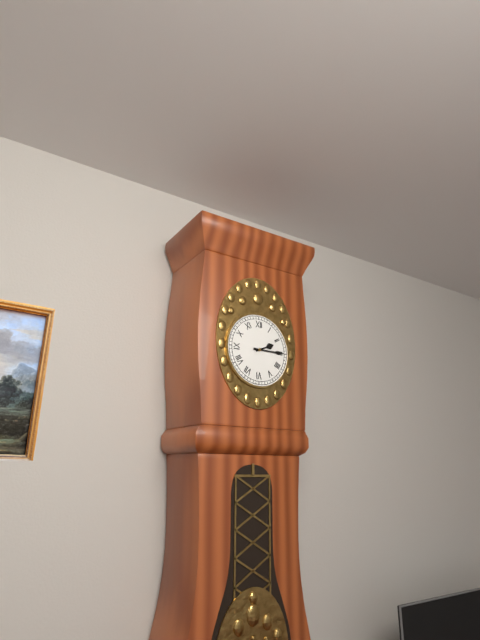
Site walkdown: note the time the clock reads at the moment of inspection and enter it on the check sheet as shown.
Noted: 2:15
